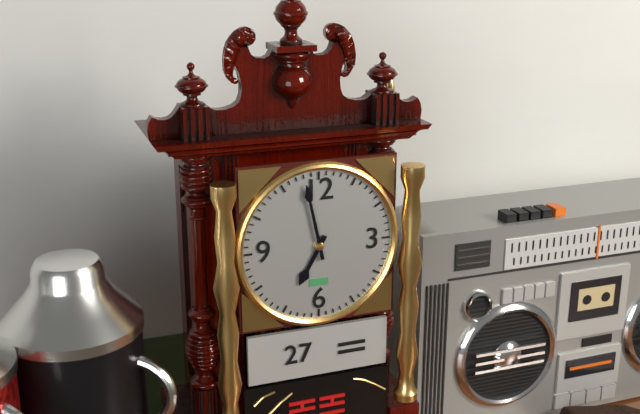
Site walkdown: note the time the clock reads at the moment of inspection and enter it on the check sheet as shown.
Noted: 6:58
